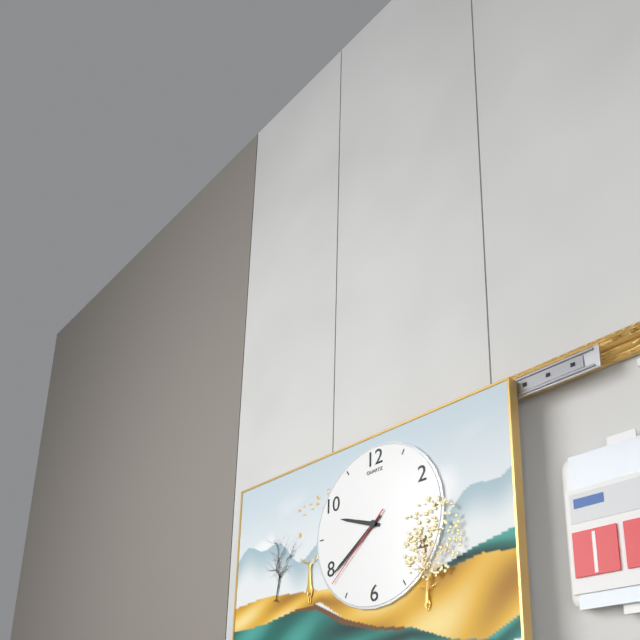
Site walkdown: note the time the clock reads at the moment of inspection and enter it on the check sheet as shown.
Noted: 9:39:38
